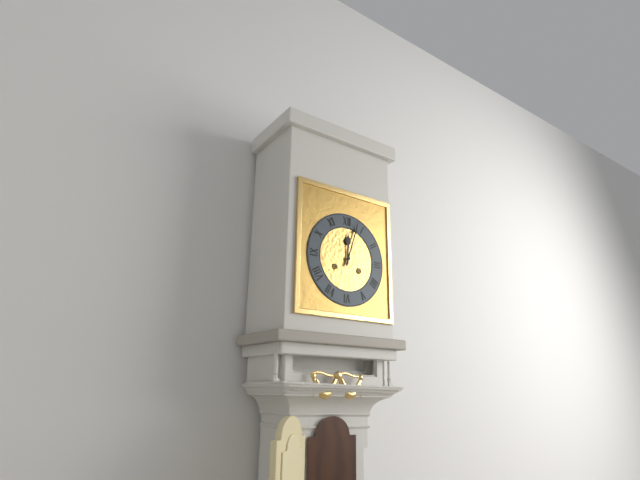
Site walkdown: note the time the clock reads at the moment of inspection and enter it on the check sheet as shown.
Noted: 12:03
